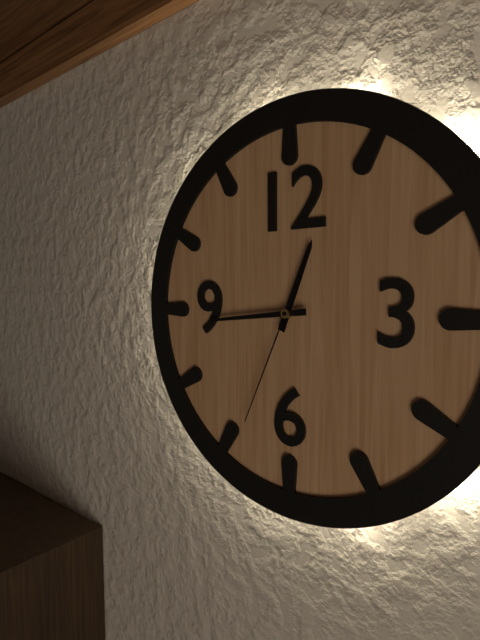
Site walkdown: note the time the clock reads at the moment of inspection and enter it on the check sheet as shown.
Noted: 12:44:34
